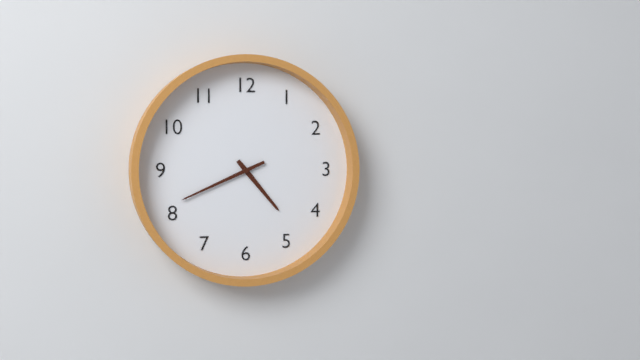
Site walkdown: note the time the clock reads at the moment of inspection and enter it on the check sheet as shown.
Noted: 4:41
